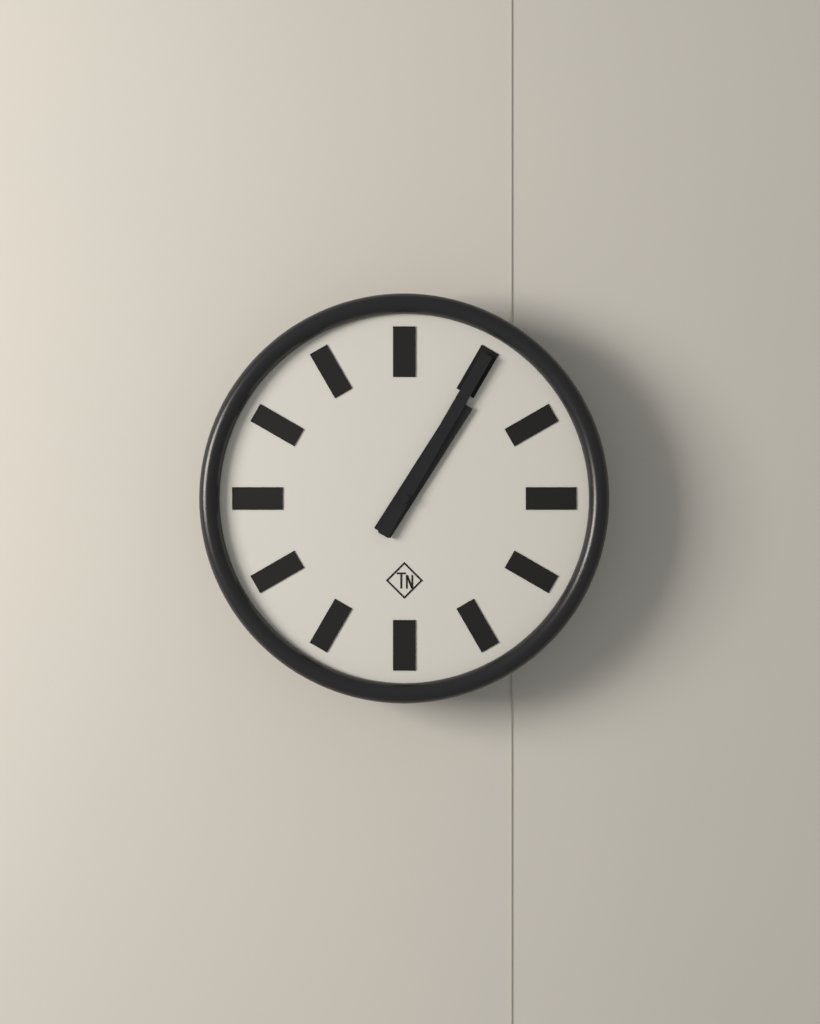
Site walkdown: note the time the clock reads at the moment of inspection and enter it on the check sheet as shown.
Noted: 1:05
